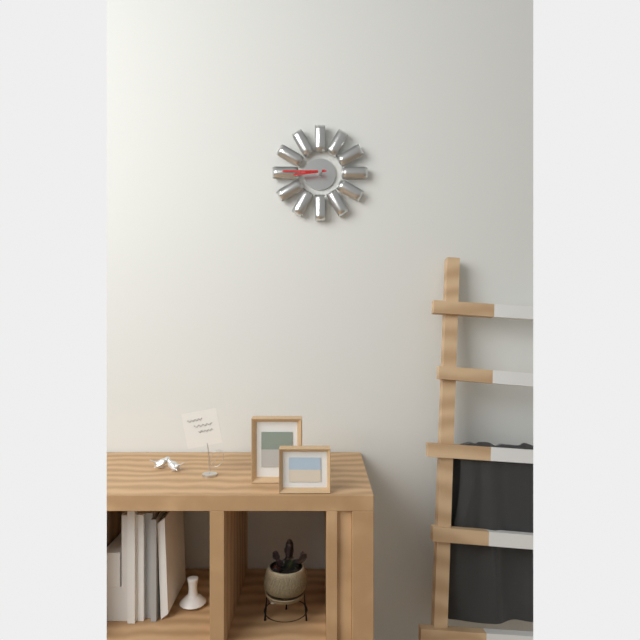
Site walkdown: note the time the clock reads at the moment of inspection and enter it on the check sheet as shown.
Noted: 8:45
